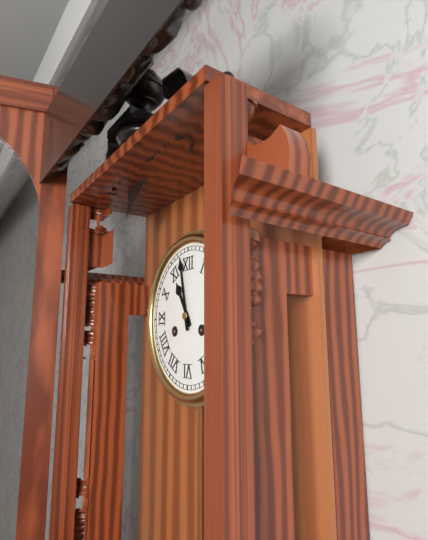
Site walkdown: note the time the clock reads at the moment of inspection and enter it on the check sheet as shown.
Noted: 10:58
